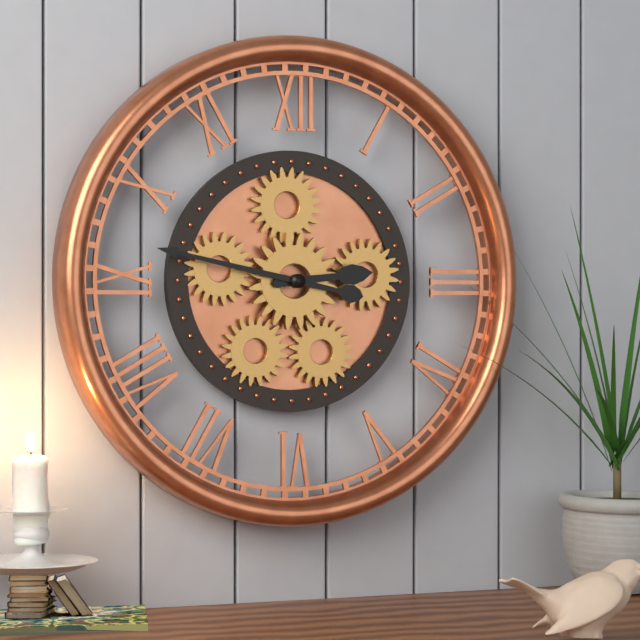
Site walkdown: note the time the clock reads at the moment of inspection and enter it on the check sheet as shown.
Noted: 2:47
